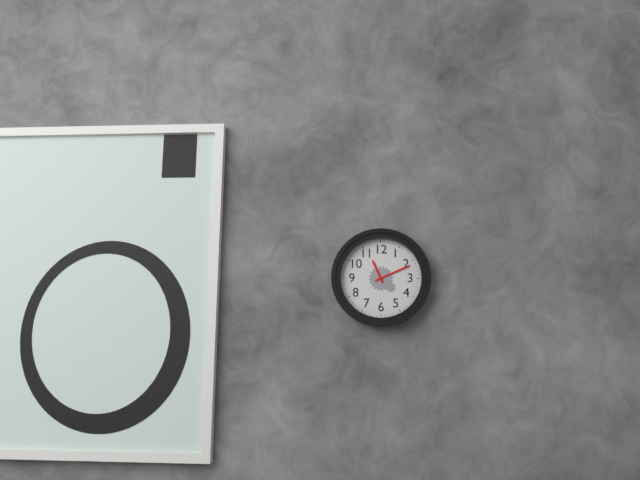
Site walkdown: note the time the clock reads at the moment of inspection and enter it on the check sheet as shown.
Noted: 11:11
